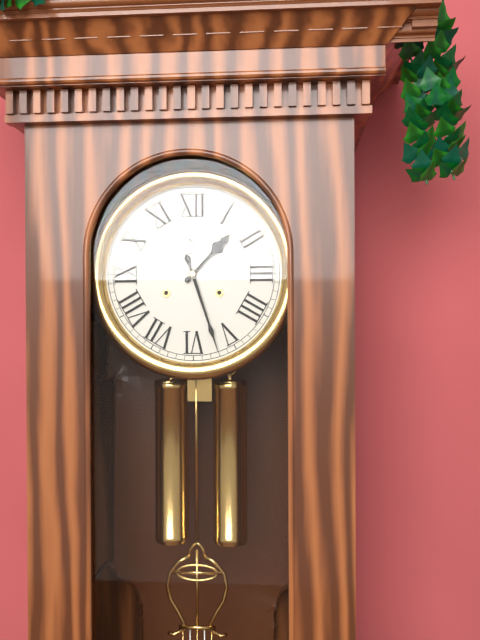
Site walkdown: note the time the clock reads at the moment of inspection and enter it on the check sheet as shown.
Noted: 1:27
